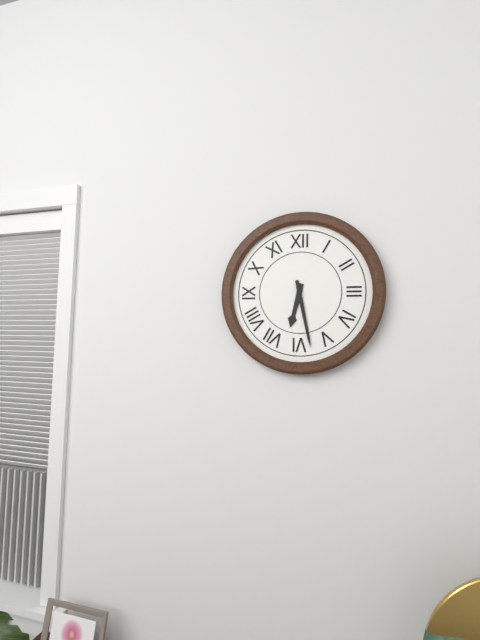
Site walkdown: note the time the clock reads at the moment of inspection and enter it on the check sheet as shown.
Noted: 6:28
